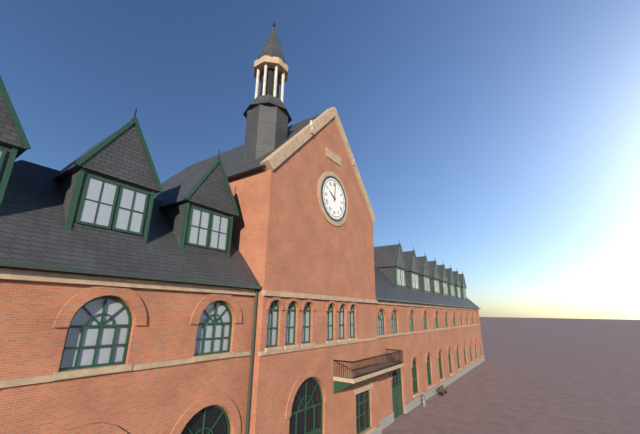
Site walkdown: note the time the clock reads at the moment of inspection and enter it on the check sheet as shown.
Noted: 10:01
